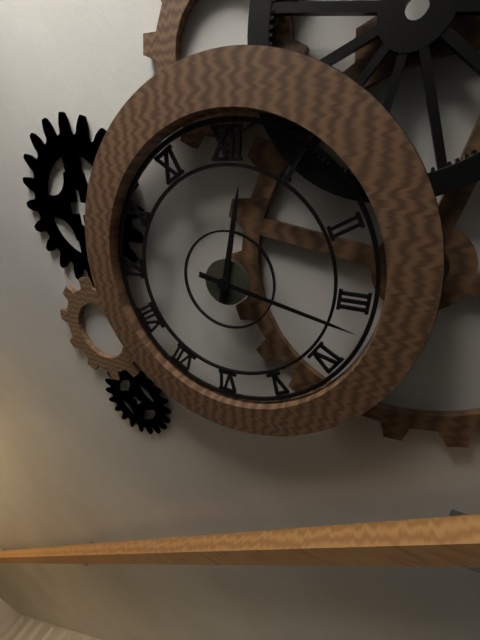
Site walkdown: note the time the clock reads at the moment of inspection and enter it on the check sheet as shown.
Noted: 12:17
